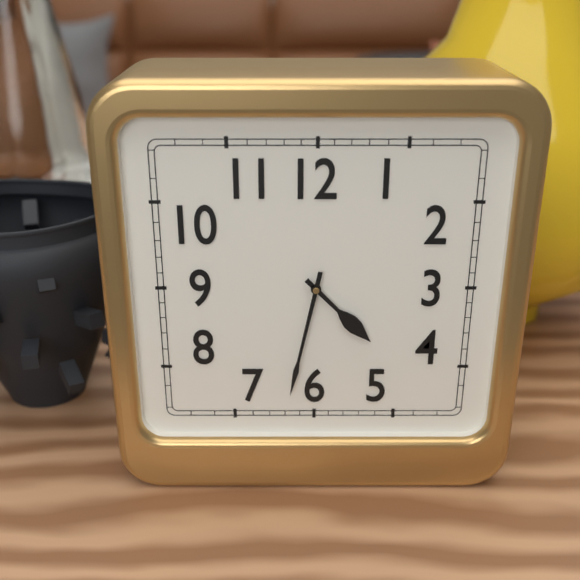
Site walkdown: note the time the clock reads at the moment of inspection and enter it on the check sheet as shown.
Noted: 4:32
